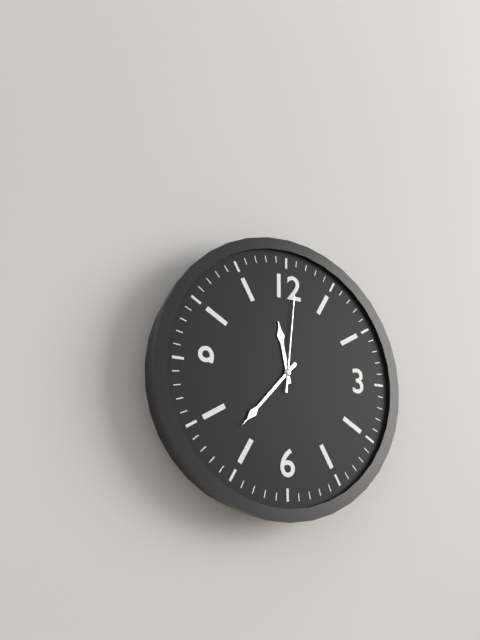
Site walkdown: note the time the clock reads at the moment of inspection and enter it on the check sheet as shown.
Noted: 11:37:01
